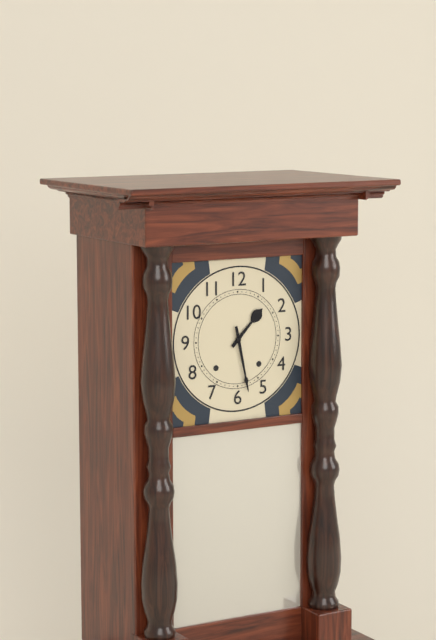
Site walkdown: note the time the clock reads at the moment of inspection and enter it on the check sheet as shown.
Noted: 1:28
